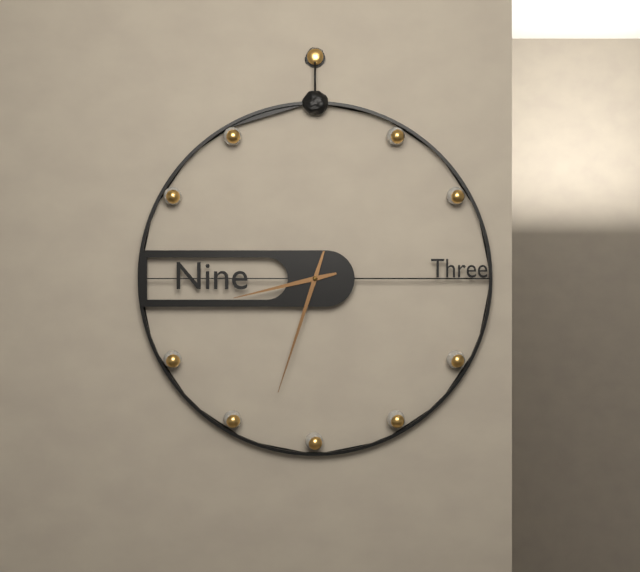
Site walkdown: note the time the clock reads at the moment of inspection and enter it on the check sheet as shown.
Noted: 8:33
